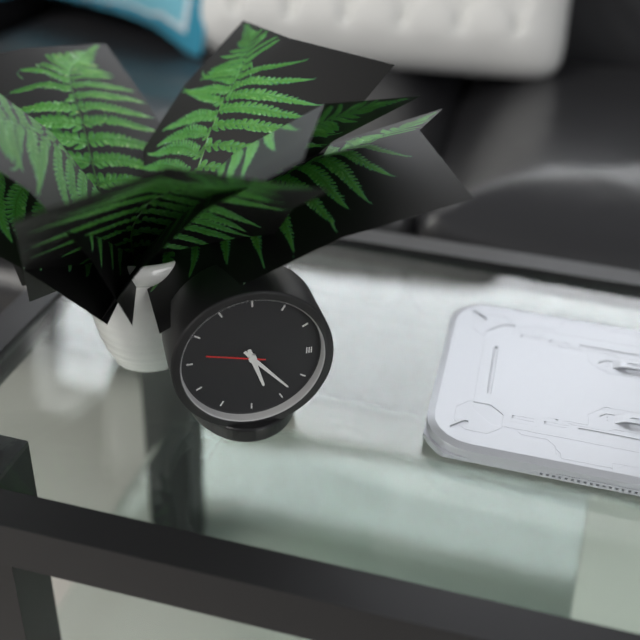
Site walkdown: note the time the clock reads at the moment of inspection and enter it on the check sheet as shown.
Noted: 5:23:47
